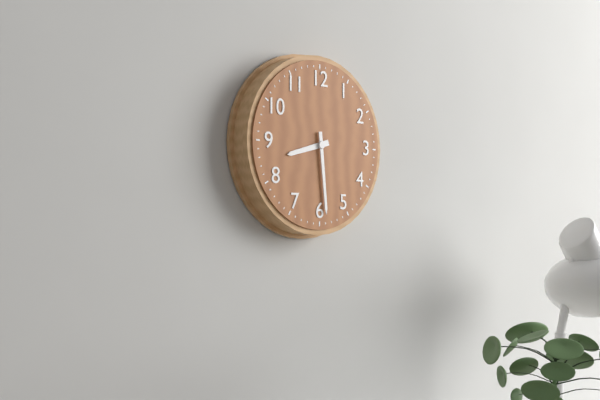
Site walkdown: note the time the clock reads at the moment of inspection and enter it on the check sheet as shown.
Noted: 8:29
